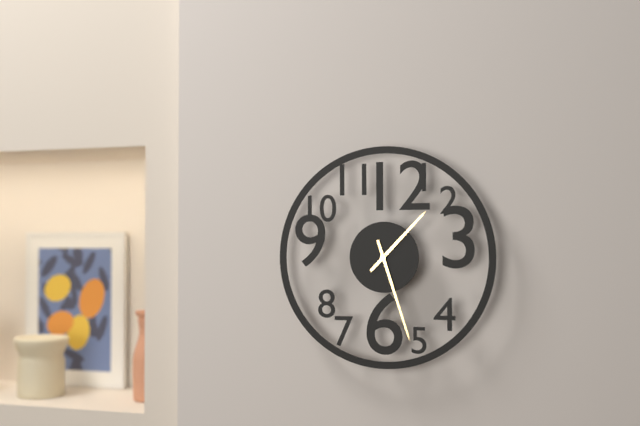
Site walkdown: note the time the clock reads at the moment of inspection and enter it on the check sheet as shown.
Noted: 1:27
